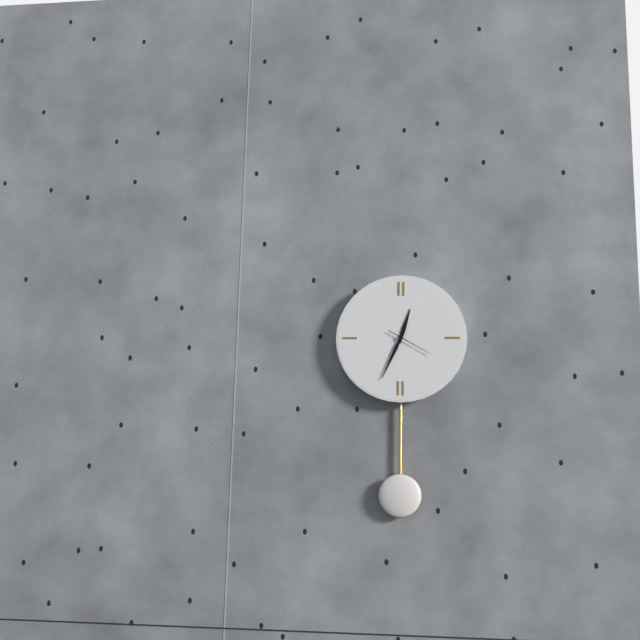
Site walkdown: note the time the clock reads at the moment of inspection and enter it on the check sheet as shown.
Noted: 12:34
